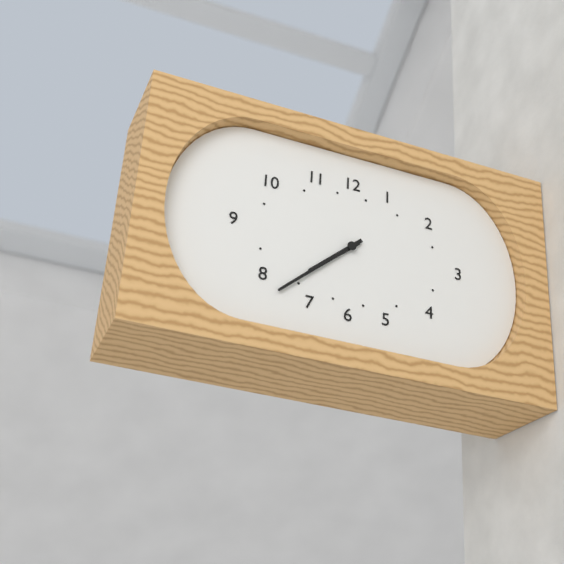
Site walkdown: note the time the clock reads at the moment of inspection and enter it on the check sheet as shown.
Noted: 7:38
